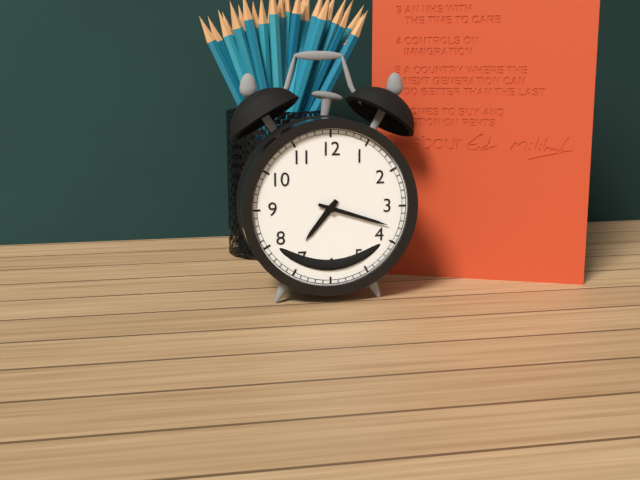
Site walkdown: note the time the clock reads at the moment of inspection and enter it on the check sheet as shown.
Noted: 7:18
